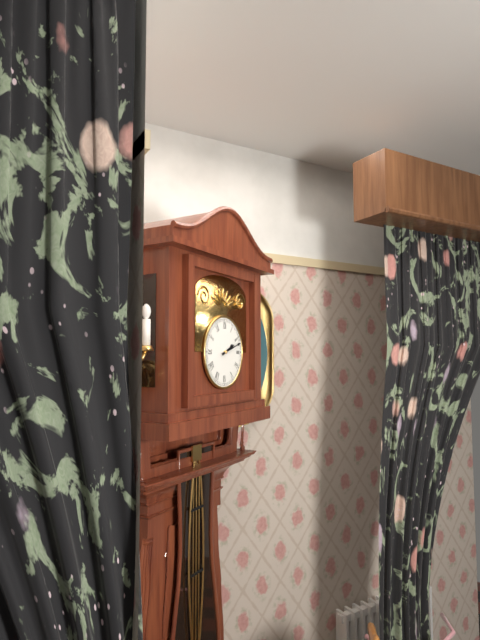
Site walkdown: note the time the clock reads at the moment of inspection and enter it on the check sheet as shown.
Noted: 2:12
